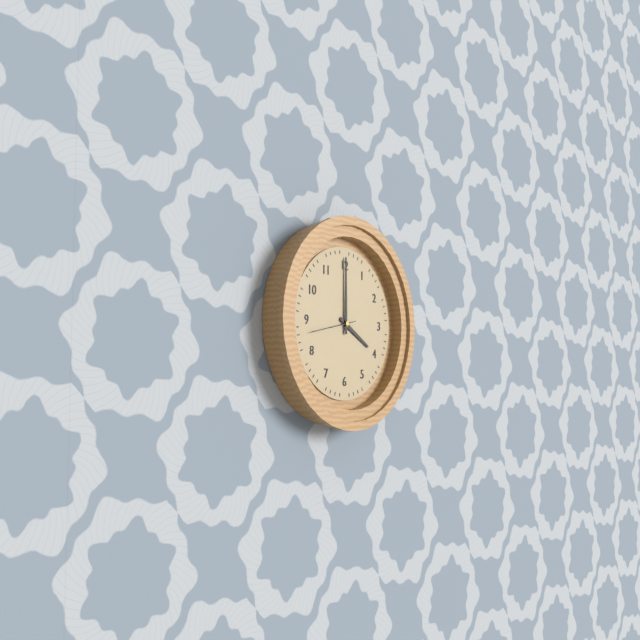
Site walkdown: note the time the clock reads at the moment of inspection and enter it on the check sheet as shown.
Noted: 4:00
